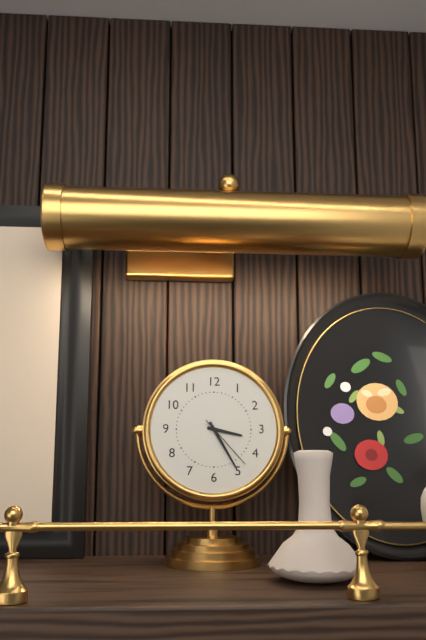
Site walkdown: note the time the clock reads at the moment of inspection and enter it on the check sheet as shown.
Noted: 3:25:23
